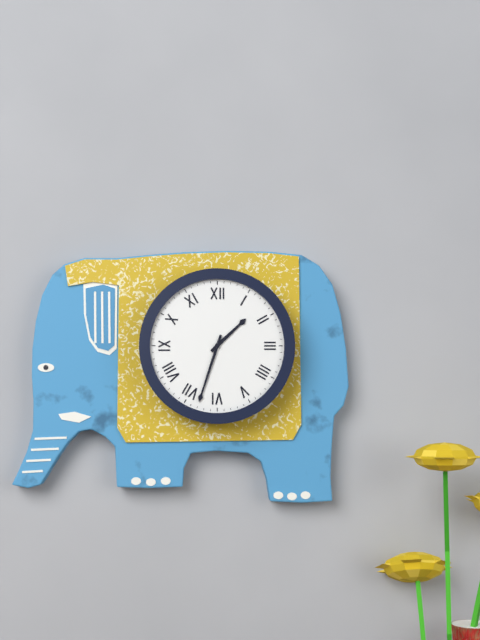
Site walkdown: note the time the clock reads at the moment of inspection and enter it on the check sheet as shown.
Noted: 1:33
